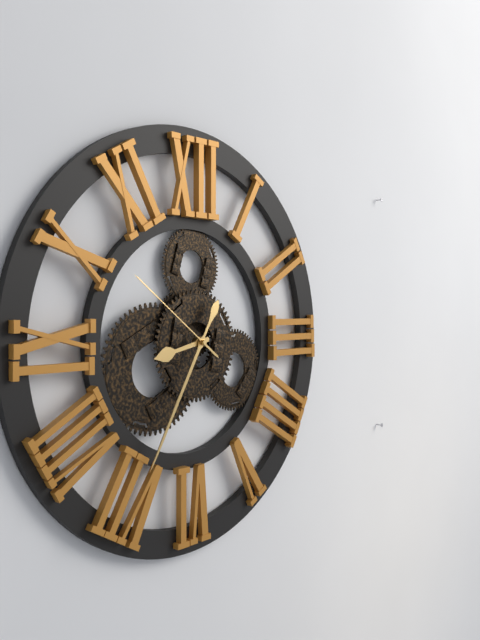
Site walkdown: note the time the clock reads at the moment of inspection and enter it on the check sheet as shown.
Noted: 8:35:51
